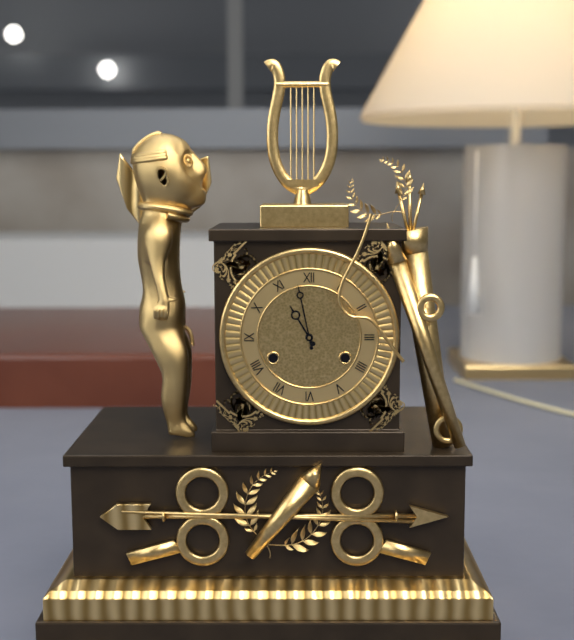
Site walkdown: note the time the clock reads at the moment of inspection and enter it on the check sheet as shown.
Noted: 10:58
